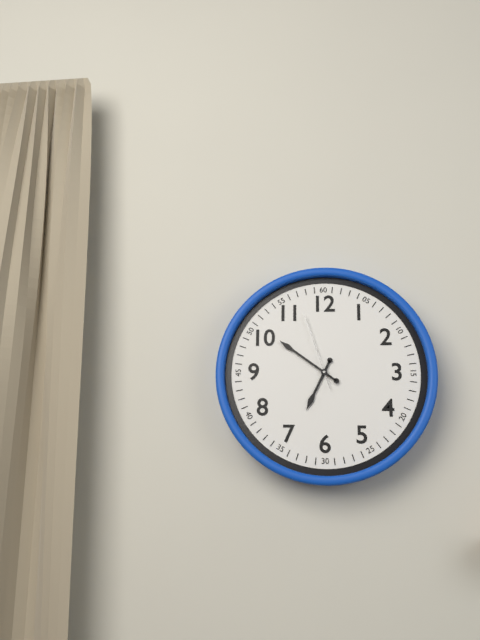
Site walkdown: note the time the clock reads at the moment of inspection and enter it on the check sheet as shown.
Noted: 6:51:57
